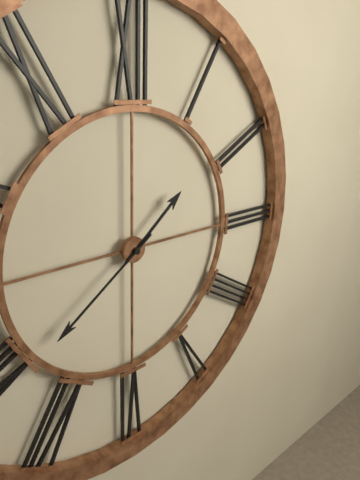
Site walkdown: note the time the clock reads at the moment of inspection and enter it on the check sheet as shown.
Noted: 1:39
